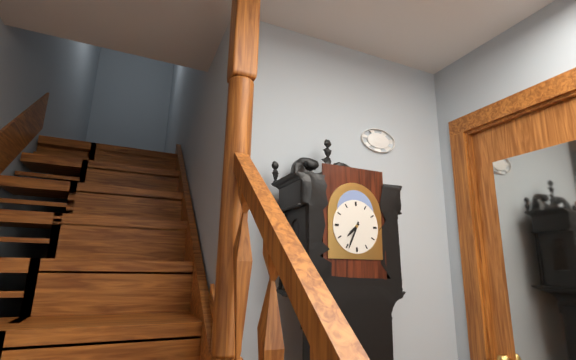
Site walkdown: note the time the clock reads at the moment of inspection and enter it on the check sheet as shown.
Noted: 7:34
